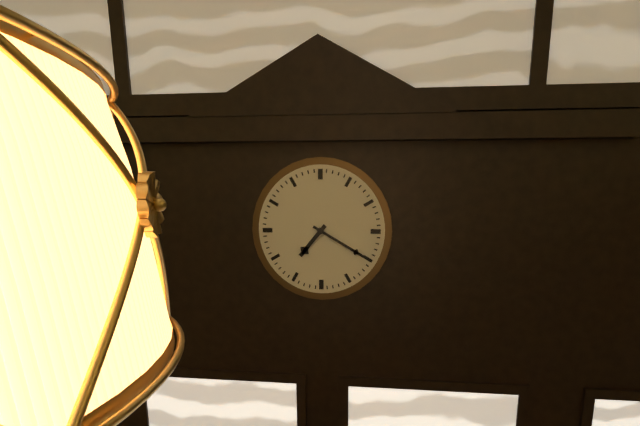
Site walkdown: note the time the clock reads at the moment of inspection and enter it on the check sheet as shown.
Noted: 7:20
